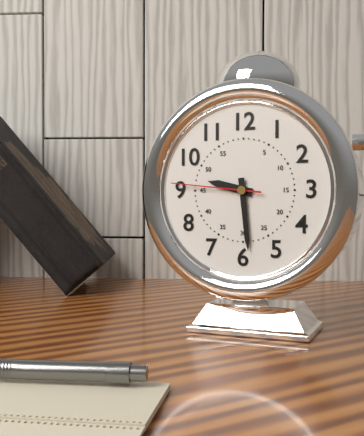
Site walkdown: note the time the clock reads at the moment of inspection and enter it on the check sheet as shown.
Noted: 9:29:46
